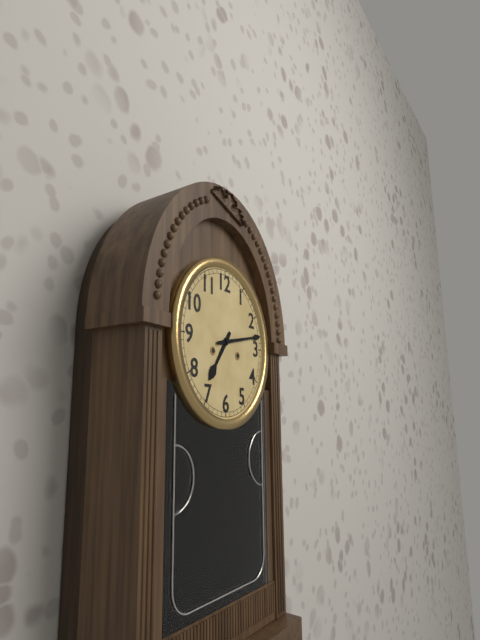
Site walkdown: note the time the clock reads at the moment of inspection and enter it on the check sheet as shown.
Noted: 7:13
